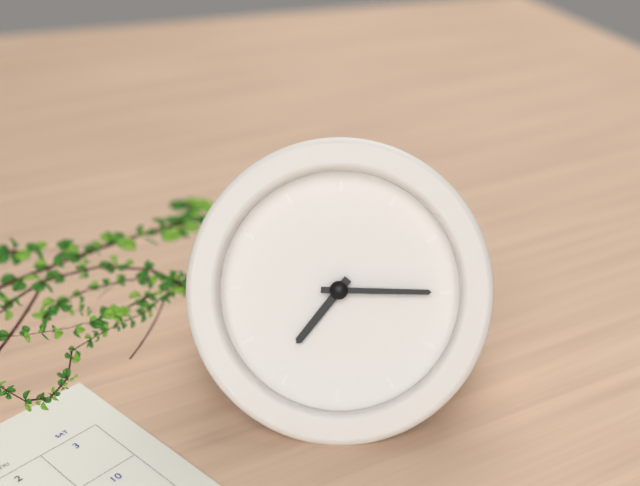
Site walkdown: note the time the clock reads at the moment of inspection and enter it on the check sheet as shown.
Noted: 7:15
